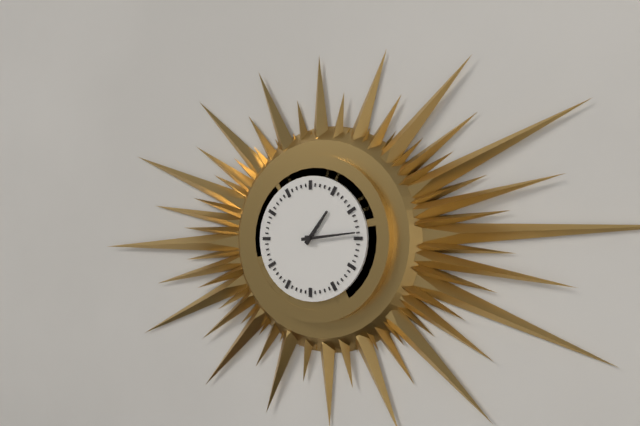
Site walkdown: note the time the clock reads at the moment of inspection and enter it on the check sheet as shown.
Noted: 1:14
